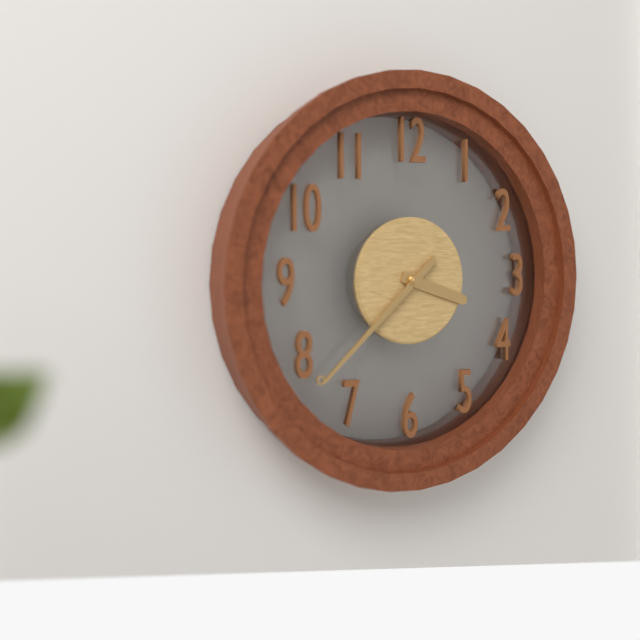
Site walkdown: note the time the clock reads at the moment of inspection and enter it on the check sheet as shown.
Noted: 3:38
